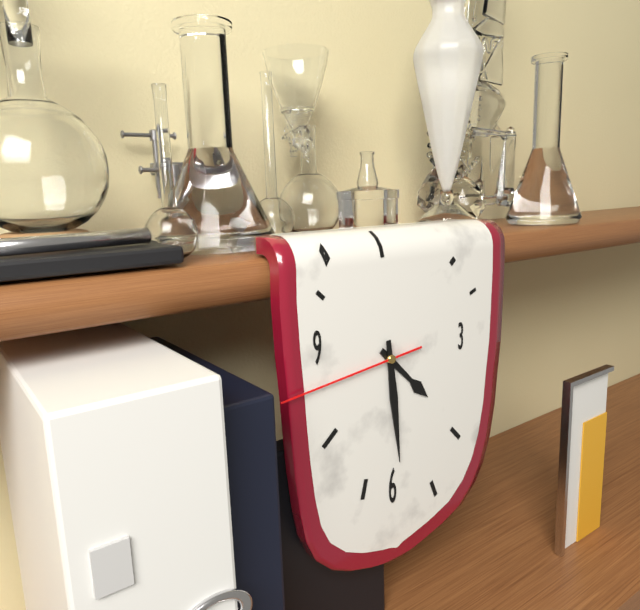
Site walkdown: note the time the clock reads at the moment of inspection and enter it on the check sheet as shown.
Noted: 4:29:44
